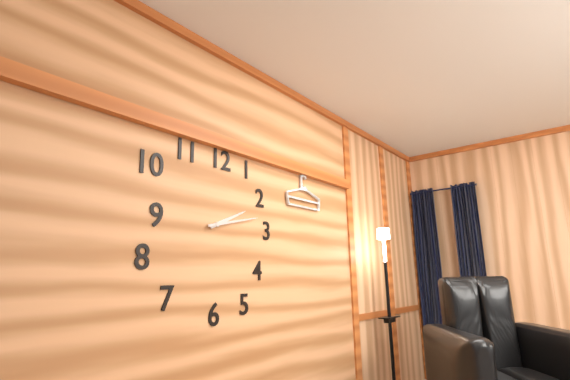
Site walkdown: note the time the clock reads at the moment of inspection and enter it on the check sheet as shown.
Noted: 2:13
